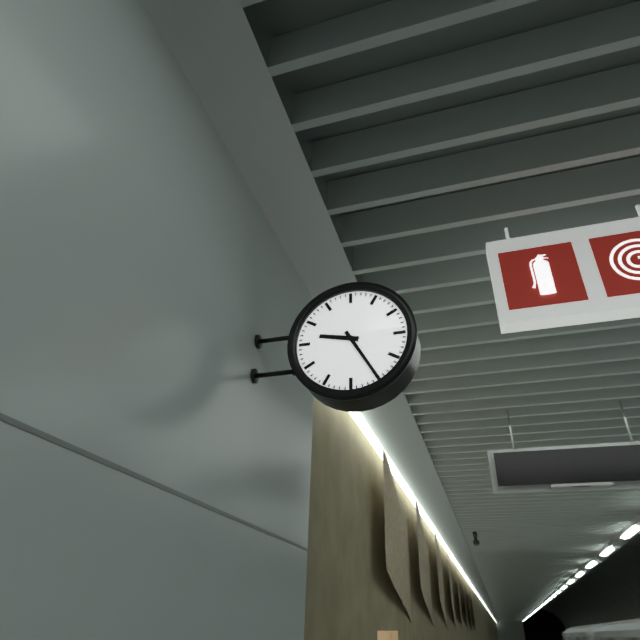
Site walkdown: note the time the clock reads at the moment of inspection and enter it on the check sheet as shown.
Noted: 9:25
